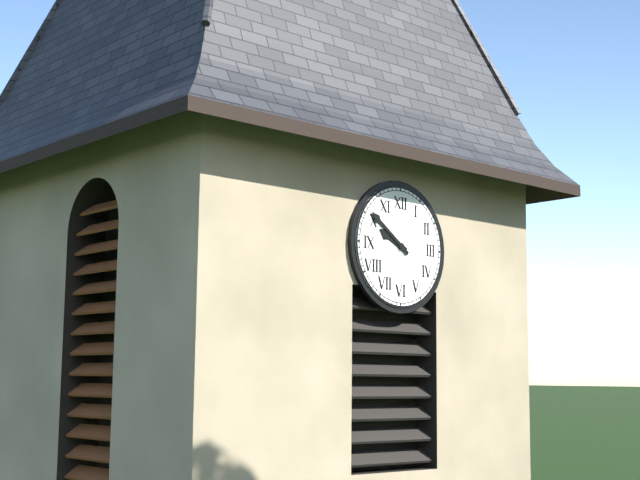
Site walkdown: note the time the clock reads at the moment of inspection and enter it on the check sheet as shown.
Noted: 9:51
